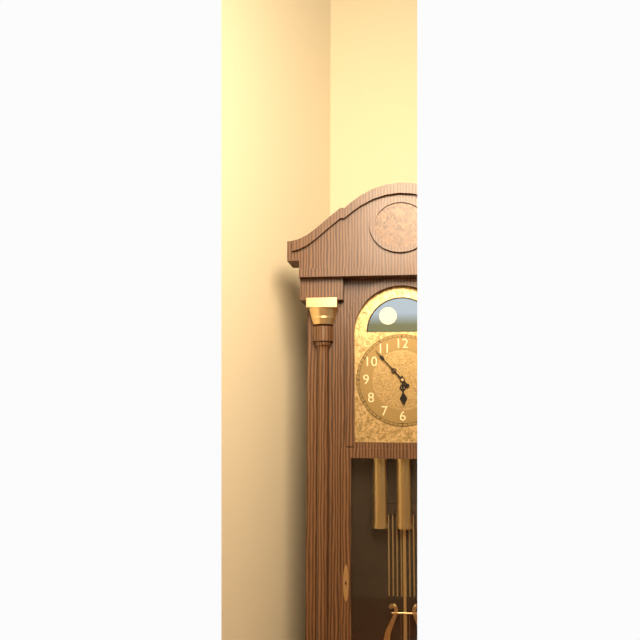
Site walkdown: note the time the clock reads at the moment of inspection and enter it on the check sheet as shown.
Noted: 5:53
